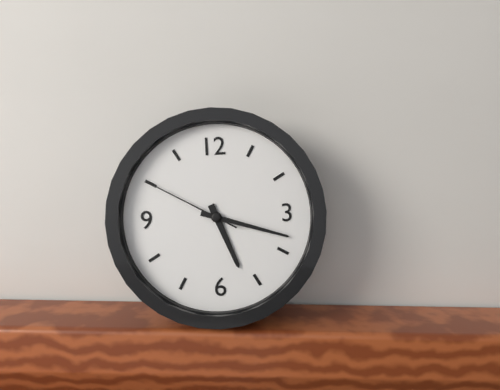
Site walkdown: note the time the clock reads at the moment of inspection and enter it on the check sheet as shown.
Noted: 5:18:50
